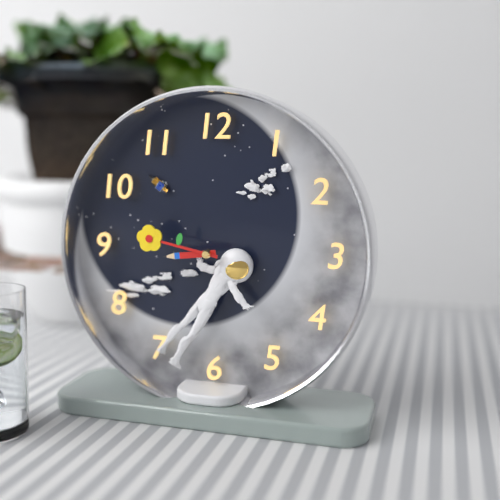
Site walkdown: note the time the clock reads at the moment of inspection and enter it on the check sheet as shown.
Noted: 8:47
